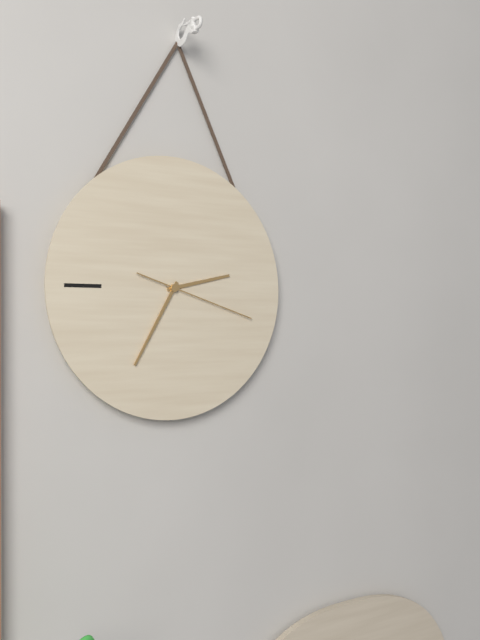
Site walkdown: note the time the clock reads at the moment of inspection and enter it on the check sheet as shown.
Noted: 2:35:18
